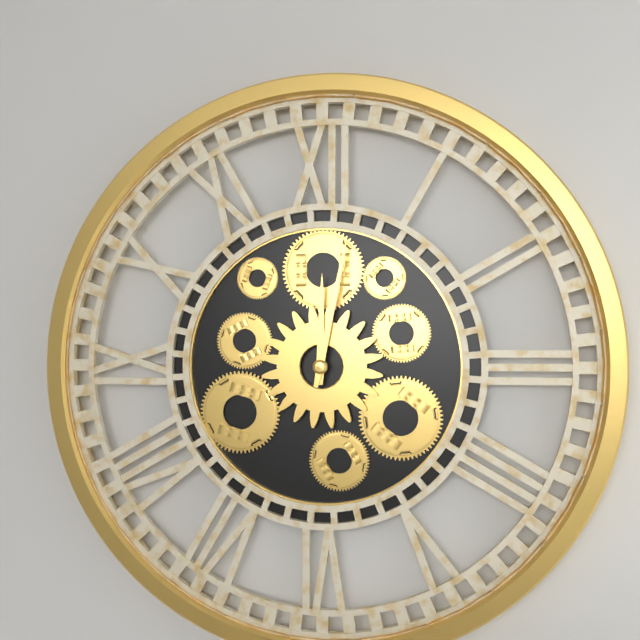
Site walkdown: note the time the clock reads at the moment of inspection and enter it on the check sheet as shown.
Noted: 12:02
